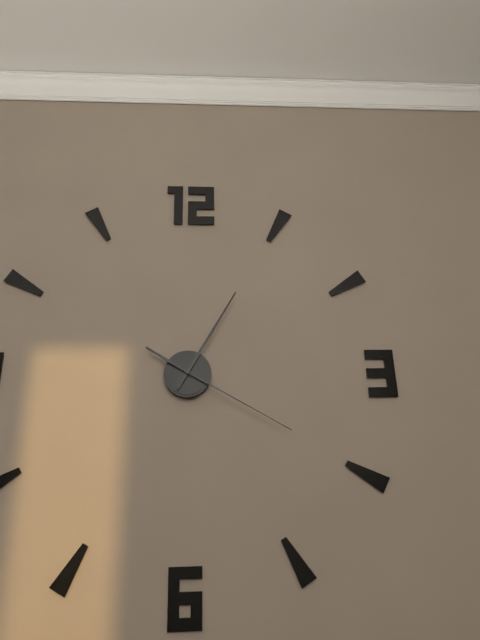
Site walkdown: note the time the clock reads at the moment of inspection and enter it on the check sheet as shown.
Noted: 10:05:20
